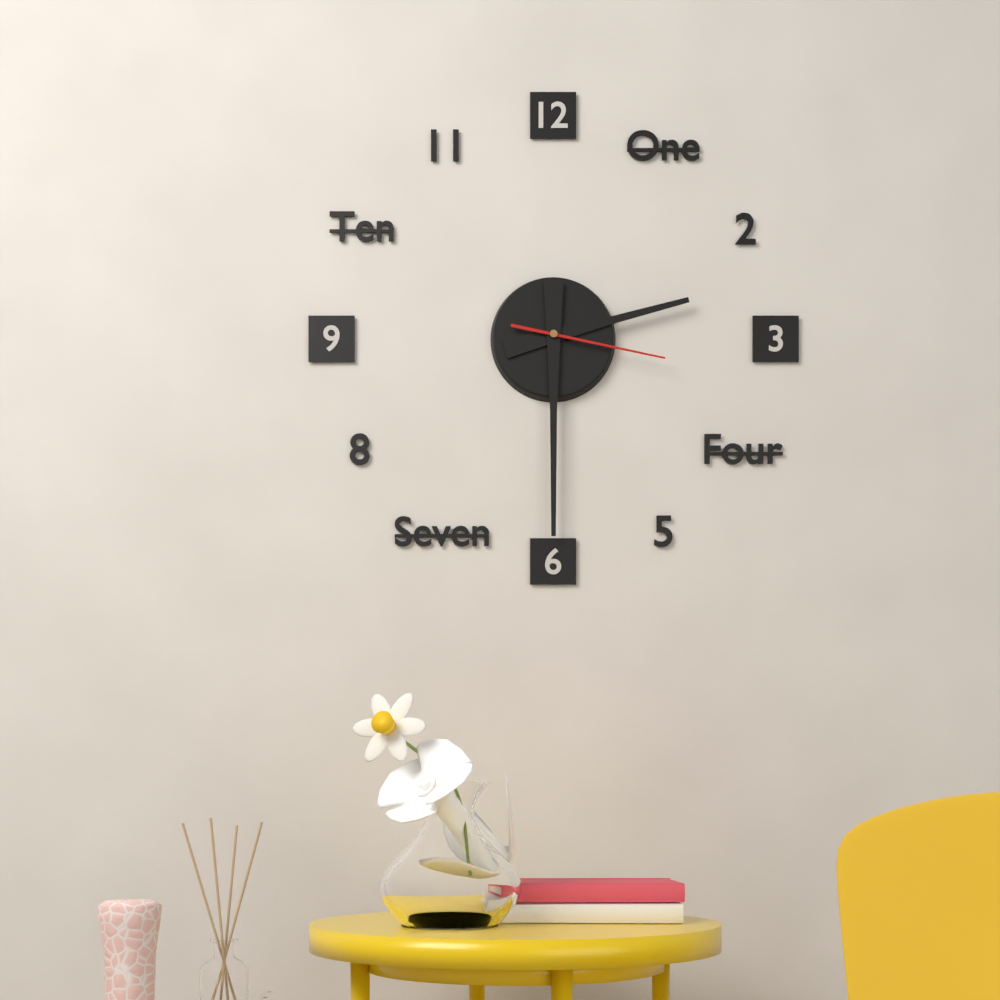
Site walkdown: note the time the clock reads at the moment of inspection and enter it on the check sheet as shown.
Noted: 2:30:17
